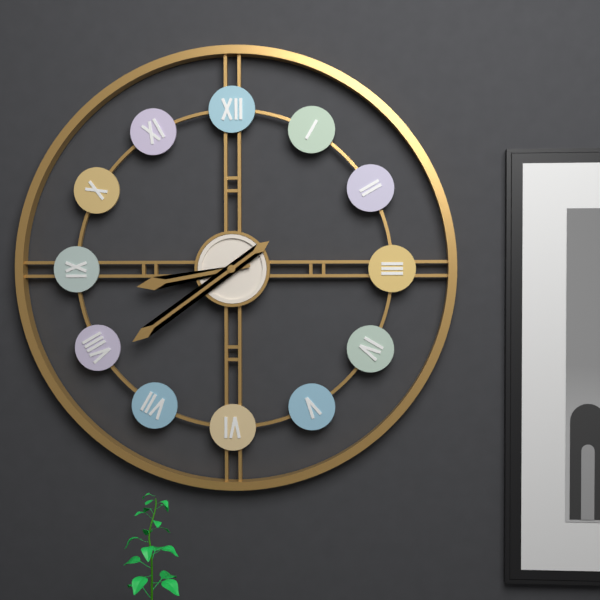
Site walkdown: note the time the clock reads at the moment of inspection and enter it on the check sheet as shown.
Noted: 8:39
